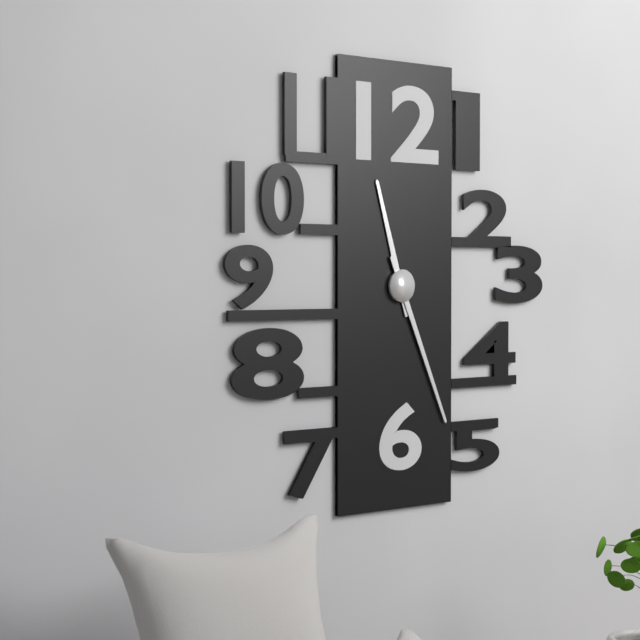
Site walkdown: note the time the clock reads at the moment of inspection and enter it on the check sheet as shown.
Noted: 11:26
